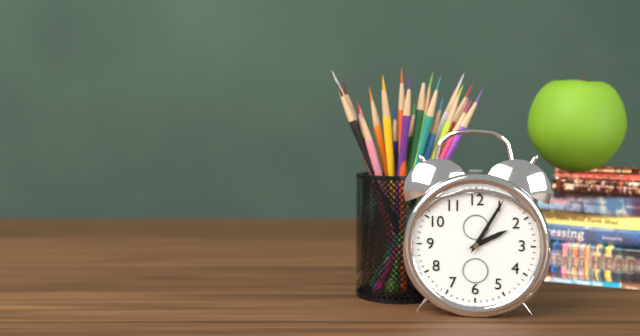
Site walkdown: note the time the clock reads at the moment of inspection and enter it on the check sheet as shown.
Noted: 2:05
